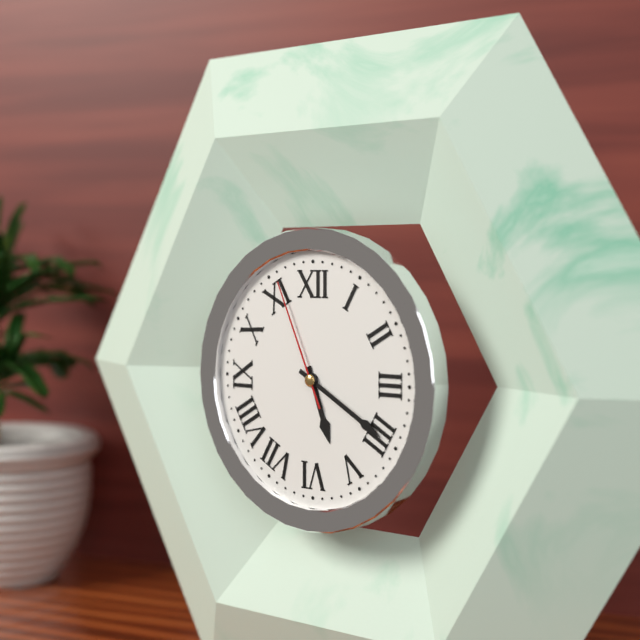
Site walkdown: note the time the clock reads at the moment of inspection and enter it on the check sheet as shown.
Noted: 5:20:56
